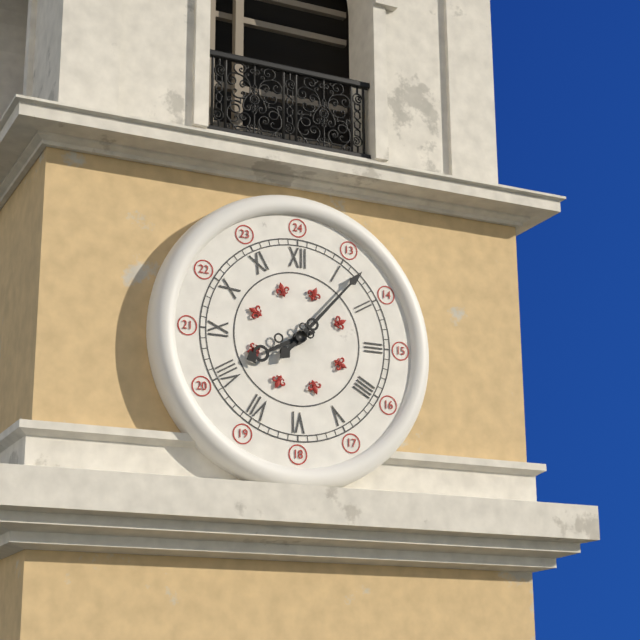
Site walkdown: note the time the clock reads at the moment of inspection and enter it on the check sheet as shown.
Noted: 8:07
